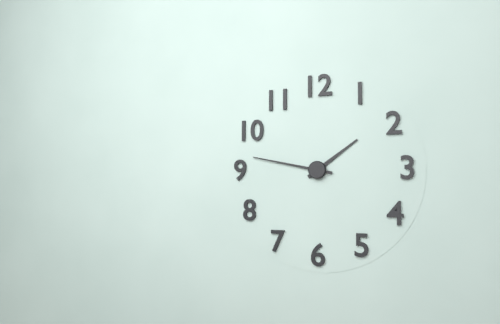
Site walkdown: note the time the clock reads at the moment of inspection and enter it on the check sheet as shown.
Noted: 1:47
